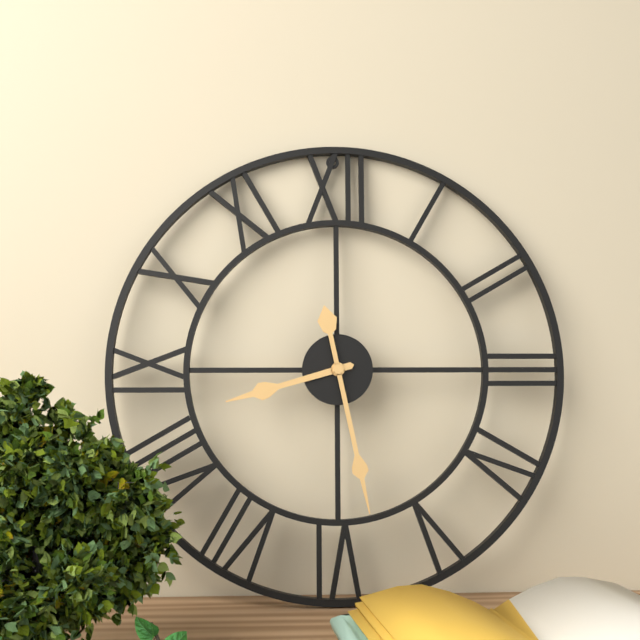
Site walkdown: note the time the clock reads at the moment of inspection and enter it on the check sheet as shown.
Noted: 8:28
